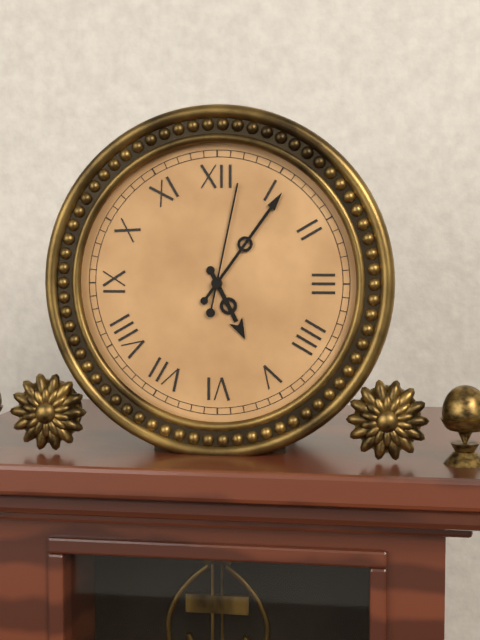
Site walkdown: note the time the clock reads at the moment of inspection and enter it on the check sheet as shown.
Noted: 5:06:02
